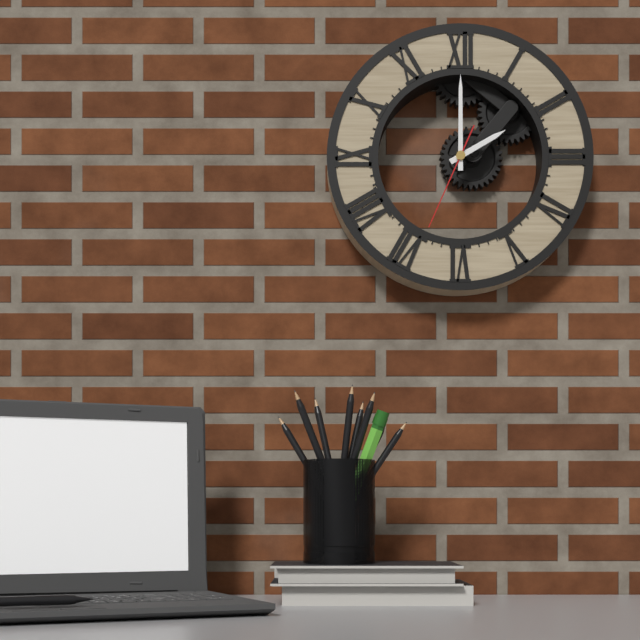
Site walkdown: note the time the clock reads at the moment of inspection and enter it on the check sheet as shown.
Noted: 2:00:34
